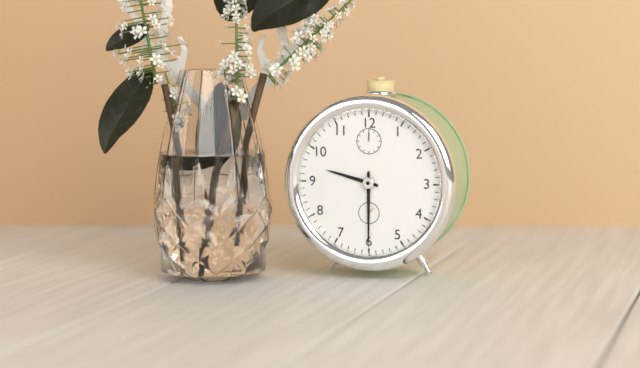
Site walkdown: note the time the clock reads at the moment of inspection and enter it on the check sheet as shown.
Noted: 9:30
